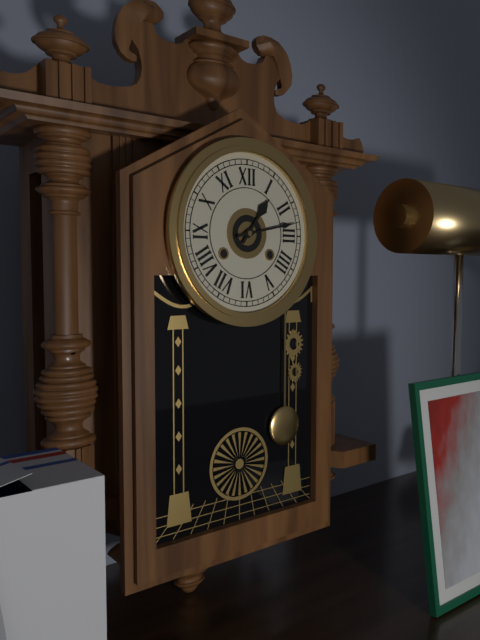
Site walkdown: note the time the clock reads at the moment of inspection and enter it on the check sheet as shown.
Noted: 1:13
